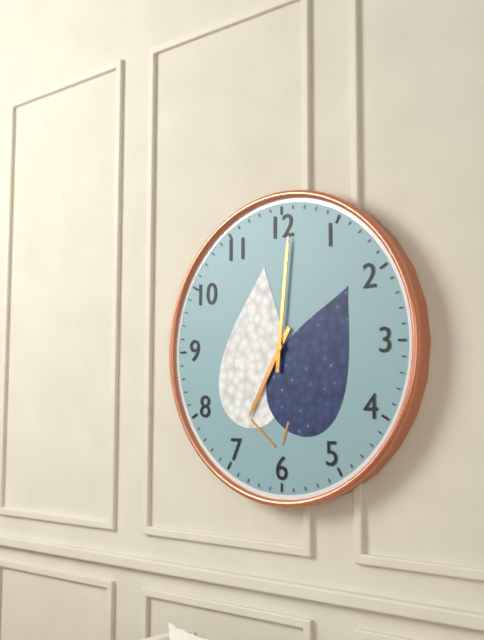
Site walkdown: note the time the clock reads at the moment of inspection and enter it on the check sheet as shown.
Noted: 7:01
